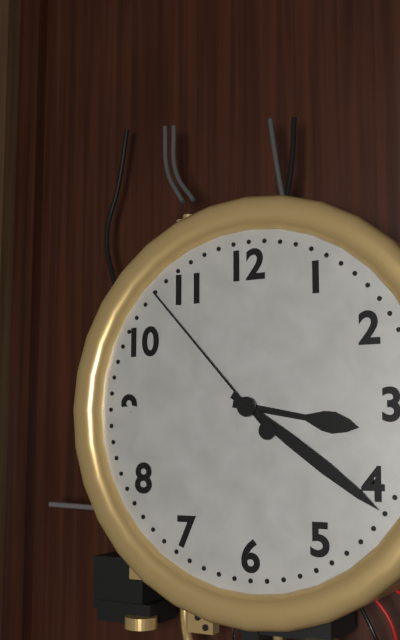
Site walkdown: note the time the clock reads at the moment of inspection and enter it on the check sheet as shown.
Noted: 3:21:53
